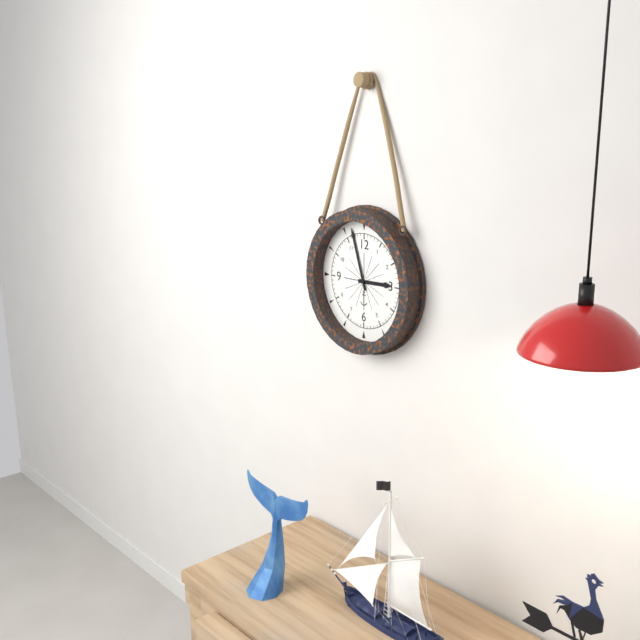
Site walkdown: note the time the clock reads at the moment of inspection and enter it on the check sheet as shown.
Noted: 2:57
